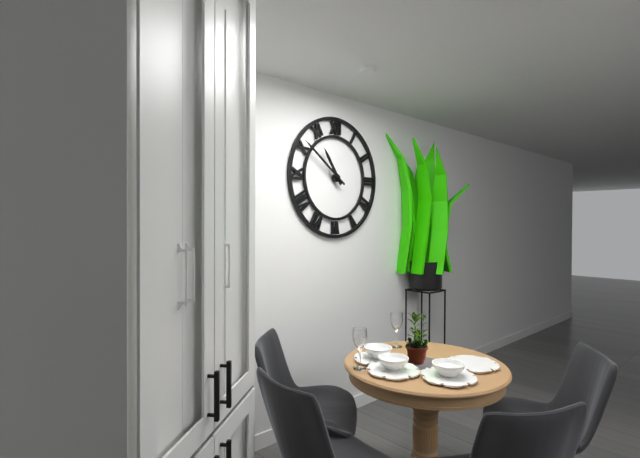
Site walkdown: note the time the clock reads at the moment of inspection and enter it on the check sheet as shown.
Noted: 10:51
